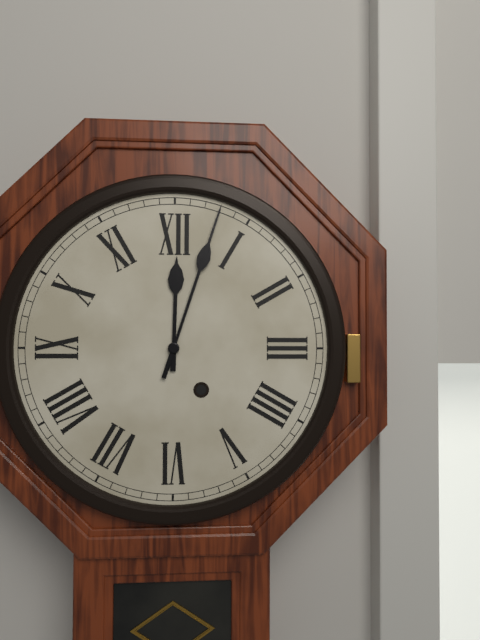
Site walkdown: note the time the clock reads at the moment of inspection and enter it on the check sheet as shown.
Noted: 12:03
